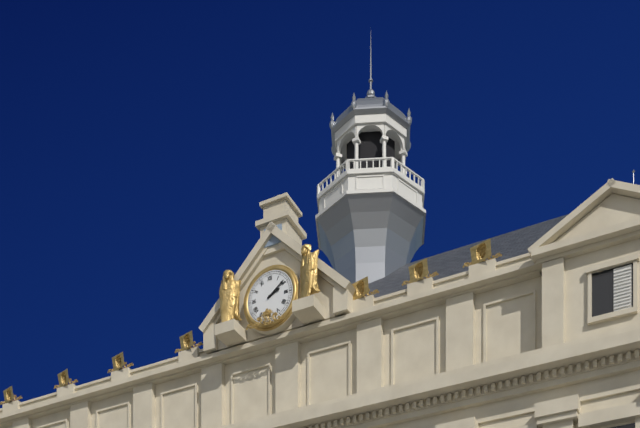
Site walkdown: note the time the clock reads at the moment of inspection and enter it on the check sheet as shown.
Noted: 2:09
